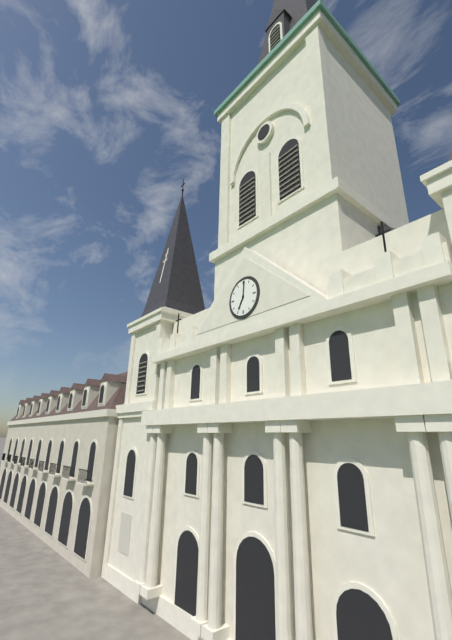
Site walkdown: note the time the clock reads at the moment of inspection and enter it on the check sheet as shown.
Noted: 7:01
